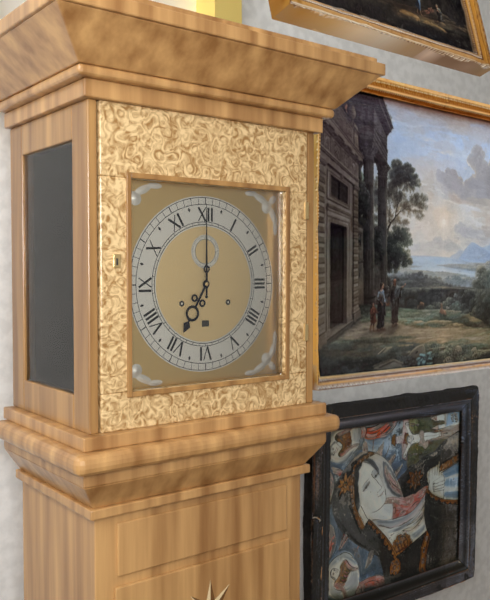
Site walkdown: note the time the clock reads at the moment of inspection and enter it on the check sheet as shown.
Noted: 7:00
